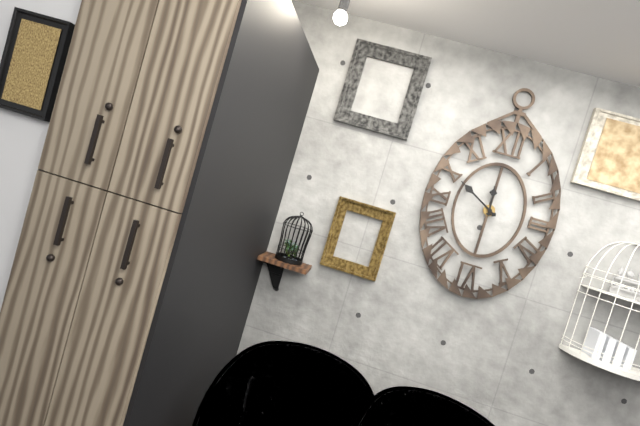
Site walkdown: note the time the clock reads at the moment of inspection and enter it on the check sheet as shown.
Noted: 11:50
